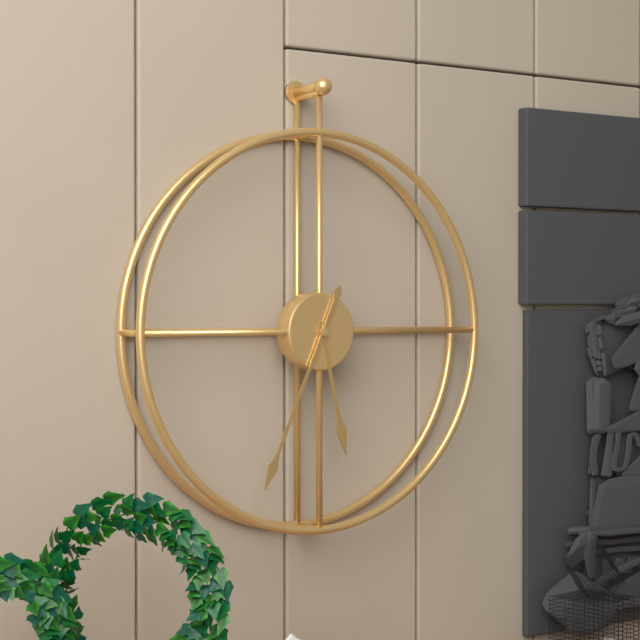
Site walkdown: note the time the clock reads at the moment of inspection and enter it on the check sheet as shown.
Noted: 5:34
